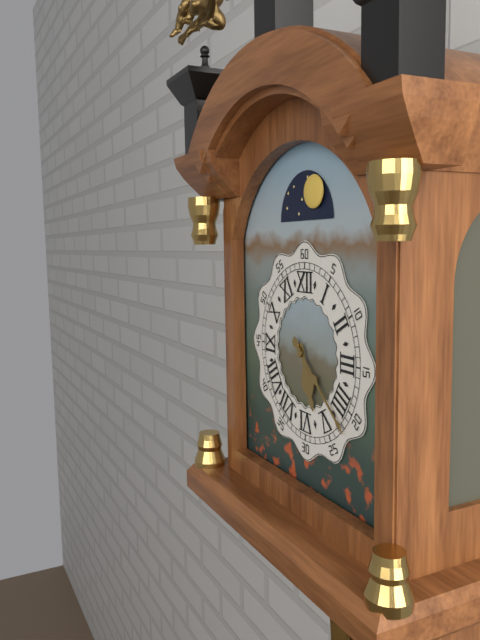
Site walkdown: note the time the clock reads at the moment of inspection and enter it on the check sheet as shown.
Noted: 5:22
